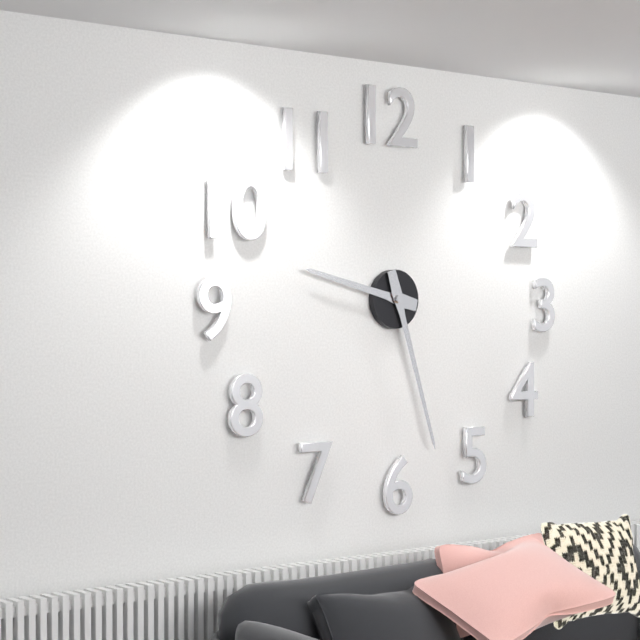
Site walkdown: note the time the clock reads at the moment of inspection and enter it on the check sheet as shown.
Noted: 9:27
